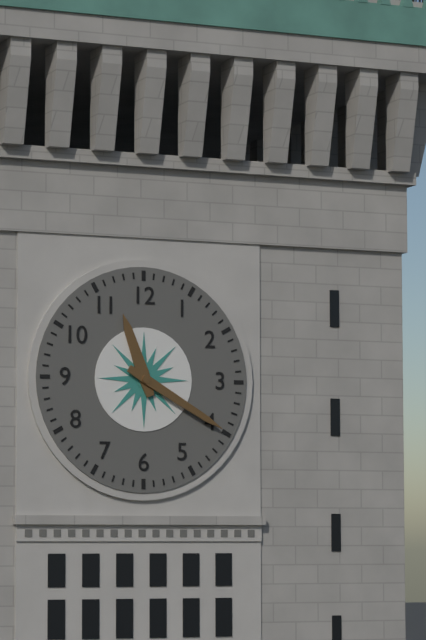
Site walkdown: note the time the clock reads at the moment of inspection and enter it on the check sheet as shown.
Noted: 11:20
